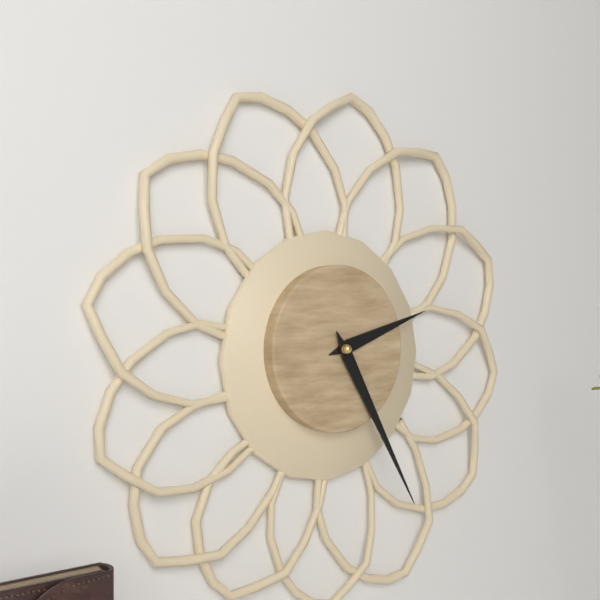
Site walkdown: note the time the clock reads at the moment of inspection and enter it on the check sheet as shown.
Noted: 2:25
